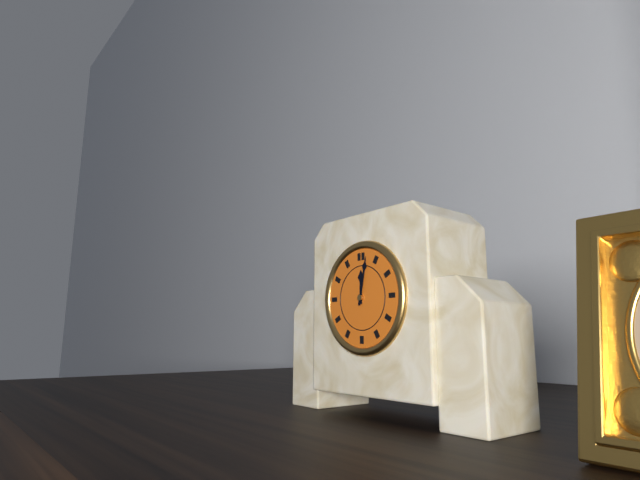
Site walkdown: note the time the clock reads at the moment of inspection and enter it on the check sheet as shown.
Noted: 12:02
